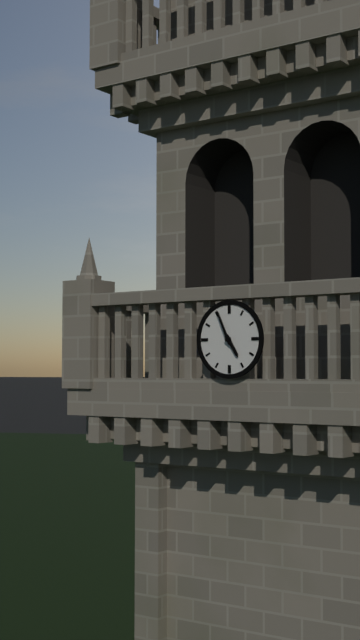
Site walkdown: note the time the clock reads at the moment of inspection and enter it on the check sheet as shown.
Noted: 4:56
